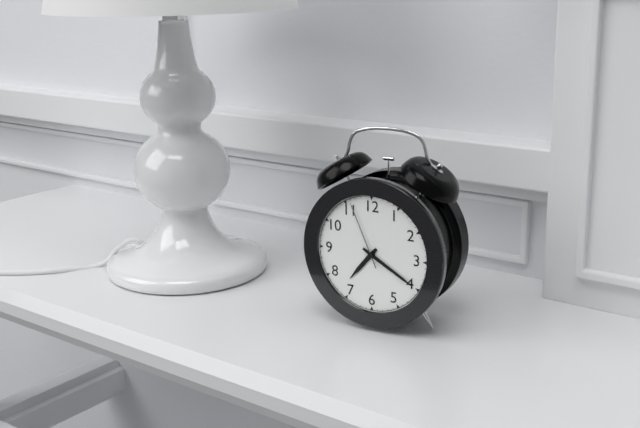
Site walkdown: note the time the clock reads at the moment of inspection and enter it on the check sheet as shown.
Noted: 7:20:56
